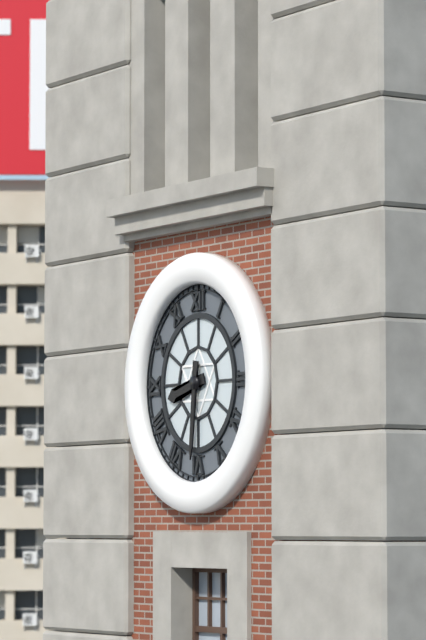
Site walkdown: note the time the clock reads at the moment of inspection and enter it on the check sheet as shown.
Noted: 8:31
